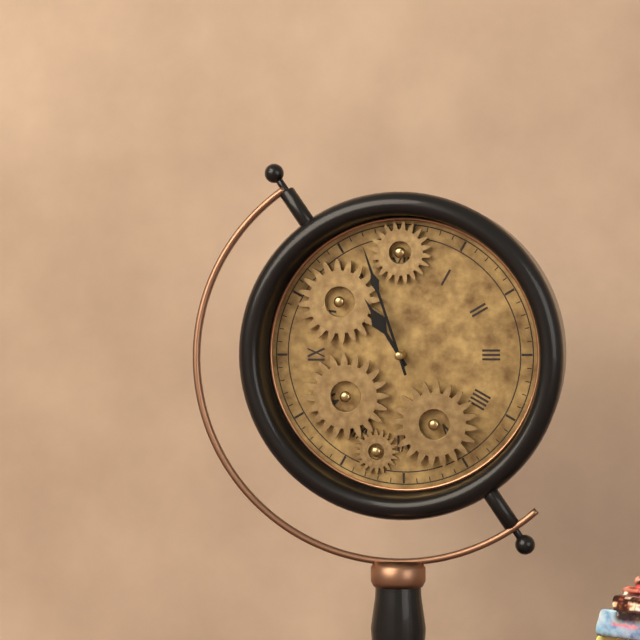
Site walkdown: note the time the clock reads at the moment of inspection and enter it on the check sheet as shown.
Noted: 10:57
